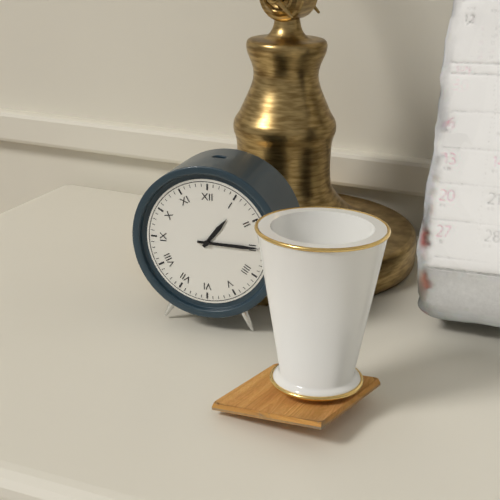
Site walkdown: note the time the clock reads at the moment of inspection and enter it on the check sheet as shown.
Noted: 1:15
